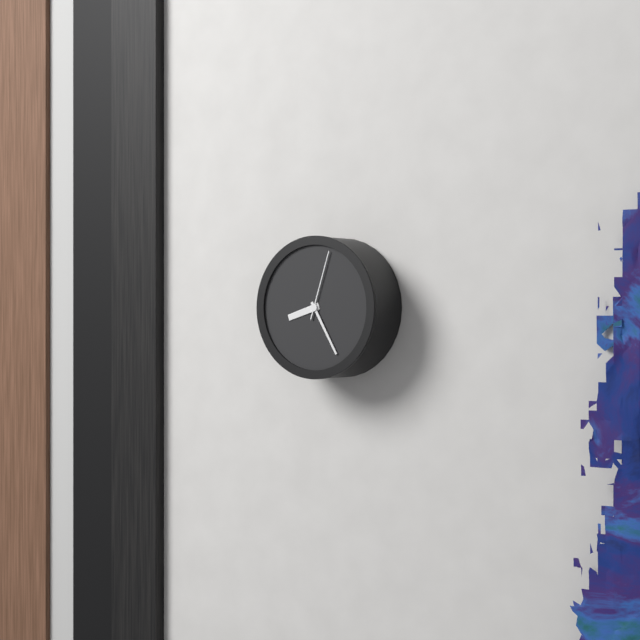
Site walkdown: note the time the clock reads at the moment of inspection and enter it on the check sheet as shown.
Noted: 8:25:03
